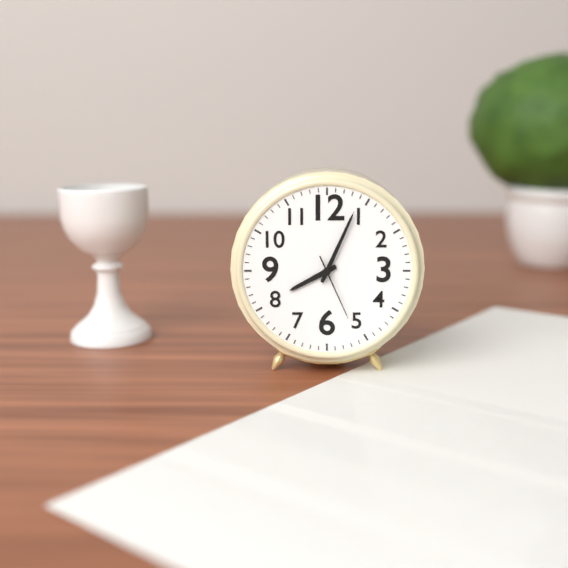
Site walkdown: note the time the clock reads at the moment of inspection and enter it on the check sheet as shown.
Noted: 8:04:26
